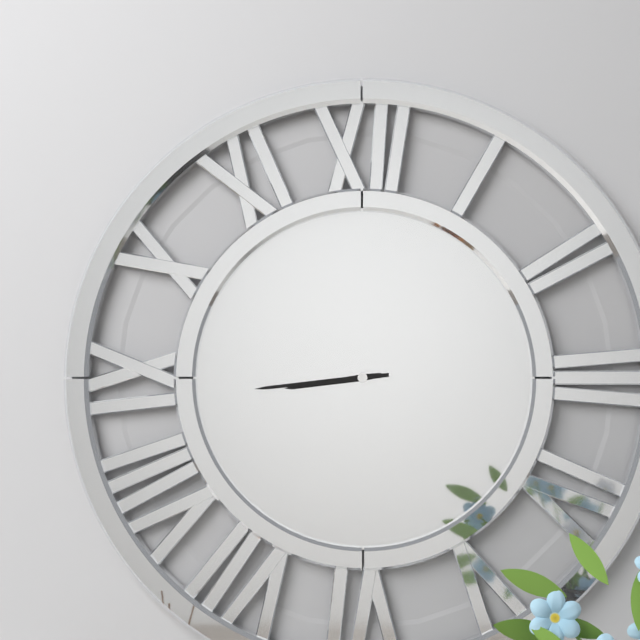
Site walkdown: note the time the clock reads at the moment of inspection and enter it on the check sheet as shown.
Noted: 8:44
